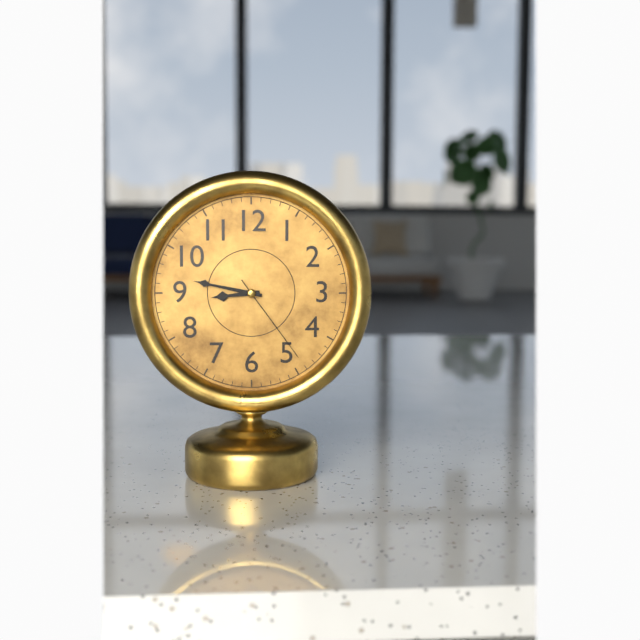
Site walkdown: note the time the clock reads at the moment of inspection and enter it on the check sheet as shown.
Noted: 8:47:24
